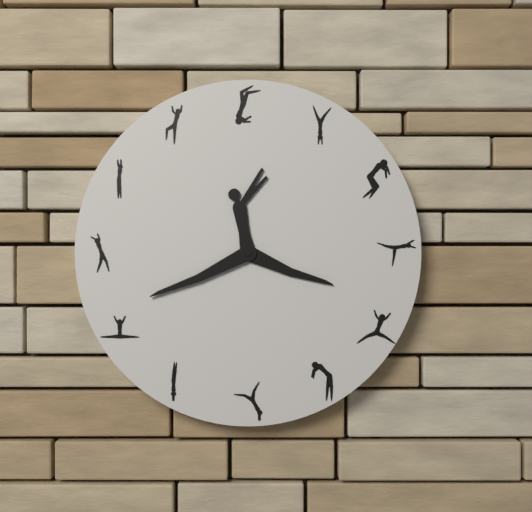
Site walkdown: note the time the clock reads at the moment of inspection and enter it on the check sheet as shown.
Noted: 3:41
